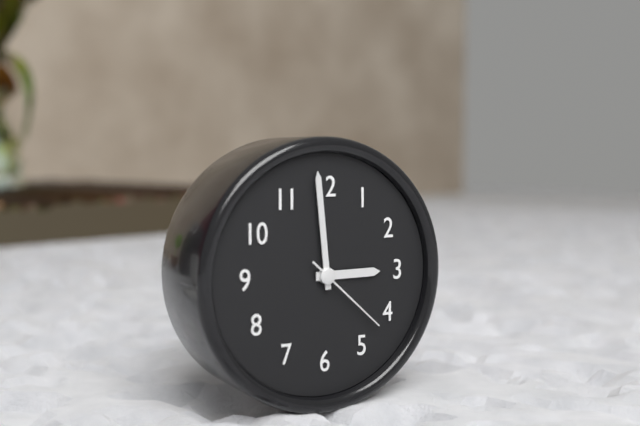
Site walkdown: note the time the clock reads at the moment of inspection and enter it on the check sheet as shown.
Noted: 2:59:22
